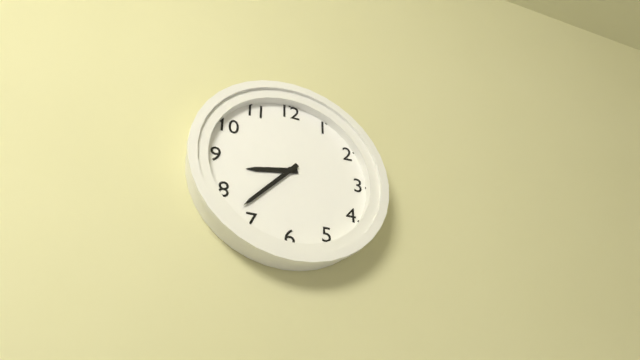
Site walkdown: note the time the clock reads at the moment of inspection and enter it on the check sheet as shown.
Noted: 8:37
